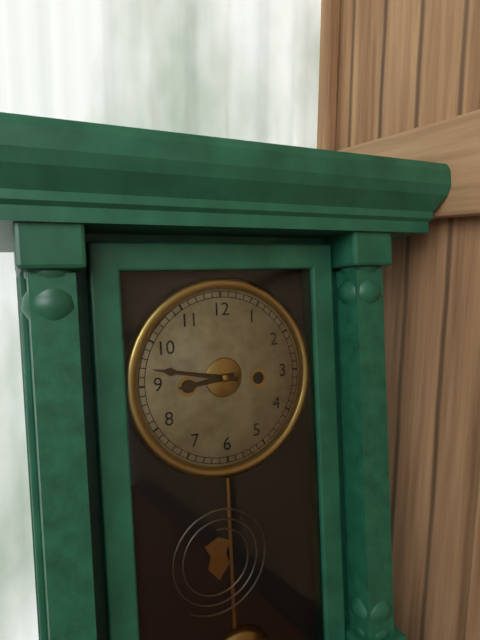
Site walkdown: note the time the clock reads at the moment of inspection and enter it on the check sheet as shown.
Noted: 8:47
